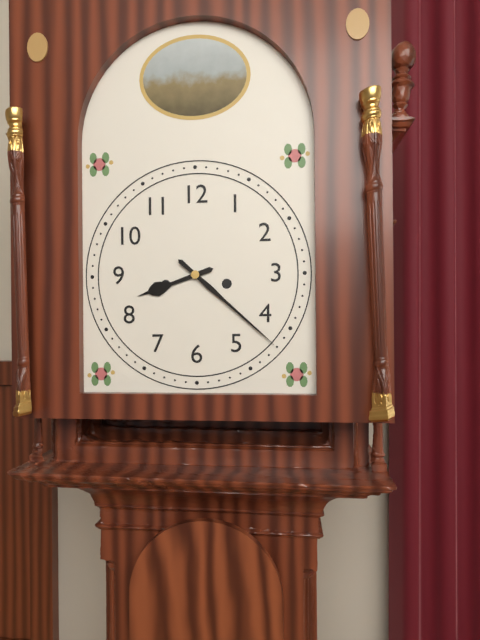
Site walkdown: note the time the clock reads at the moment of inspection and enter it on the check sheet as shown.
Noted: 8:22
